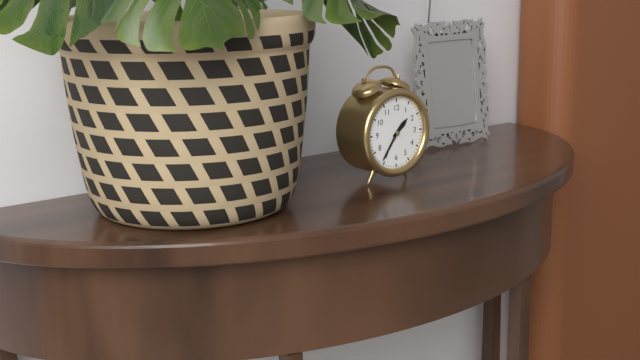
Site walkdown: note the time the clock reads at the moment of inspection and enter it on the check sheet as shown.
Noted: 1:36
